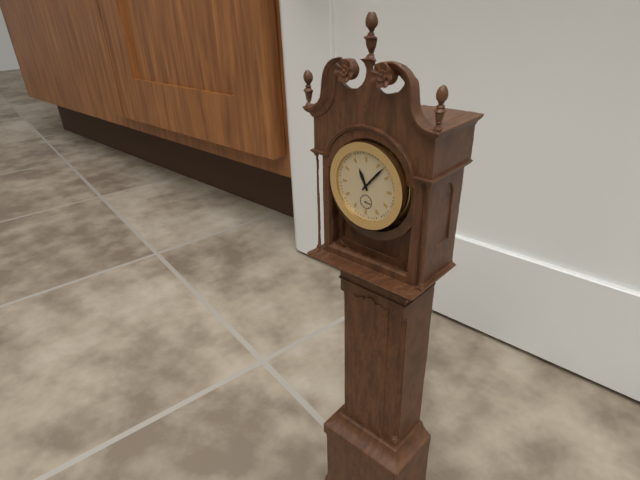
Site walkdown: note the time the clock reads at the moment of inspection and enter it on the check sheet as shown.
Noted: 11:07
